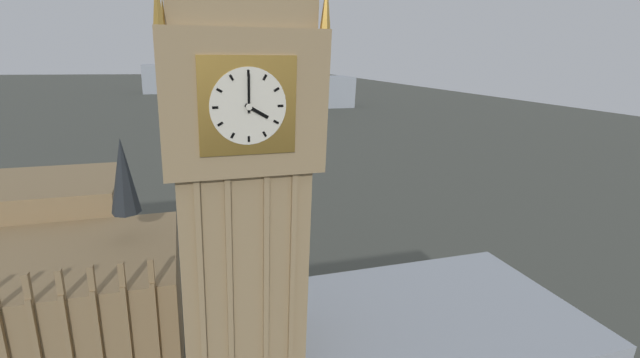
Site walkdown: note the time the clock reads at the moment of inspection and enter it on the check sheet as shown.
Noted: 4:00
